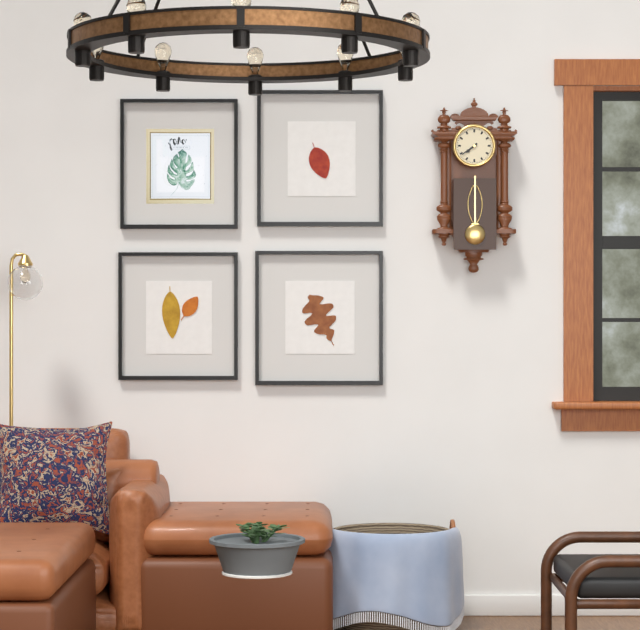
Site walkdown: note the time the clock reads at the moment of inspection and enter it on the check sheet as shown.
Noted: 7:39
